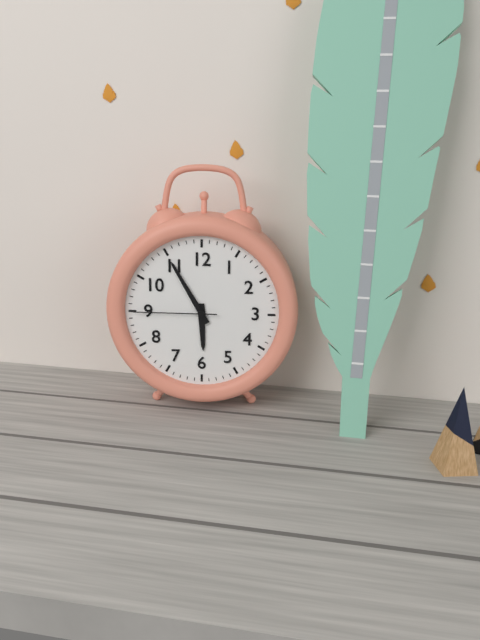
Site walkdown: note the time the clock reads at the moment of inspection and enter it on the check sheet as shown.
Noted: 5:55:45
